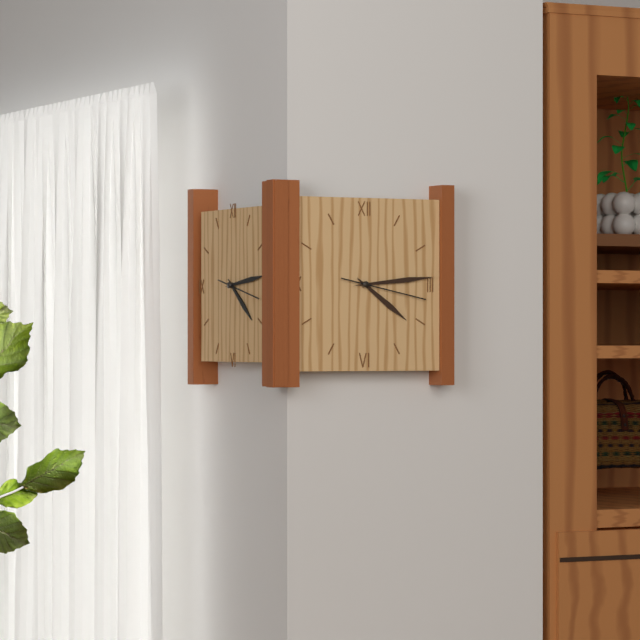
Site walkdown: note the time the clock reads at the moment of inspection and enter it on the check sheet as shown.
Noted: 4:14:17
